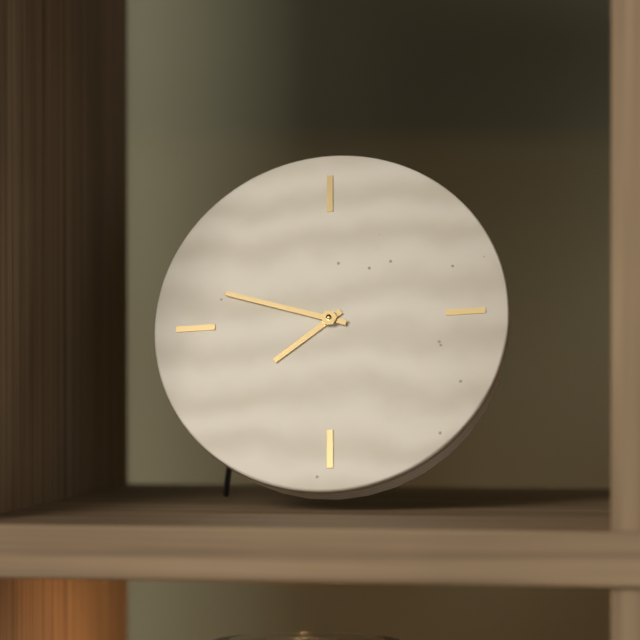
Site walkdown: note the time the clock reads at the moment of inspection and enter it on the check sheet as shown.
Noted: 7:48
